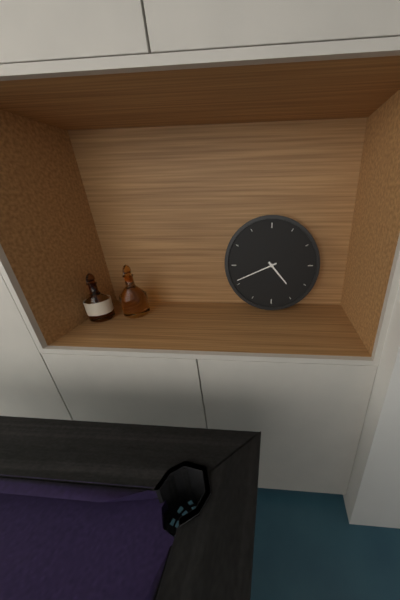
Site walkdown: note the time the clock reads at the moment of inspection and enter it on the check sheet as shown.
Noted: 4:41
